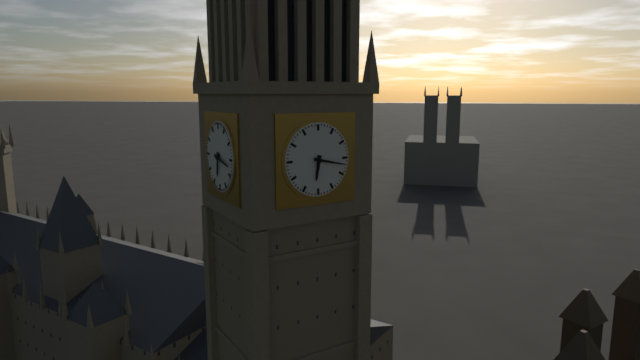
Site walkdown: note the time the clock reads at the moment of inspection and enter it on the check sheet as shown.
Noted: 6:17
